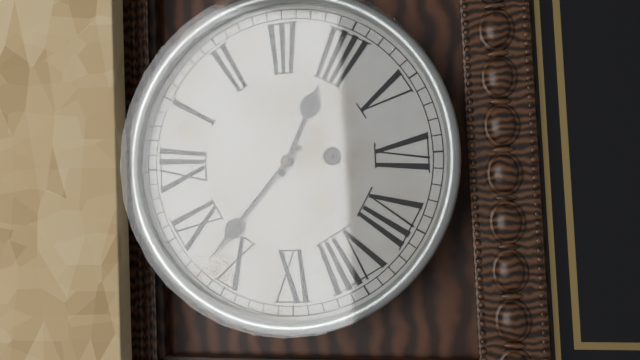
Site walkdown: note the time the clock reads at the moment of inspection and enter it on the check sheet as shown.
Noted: 3:52
